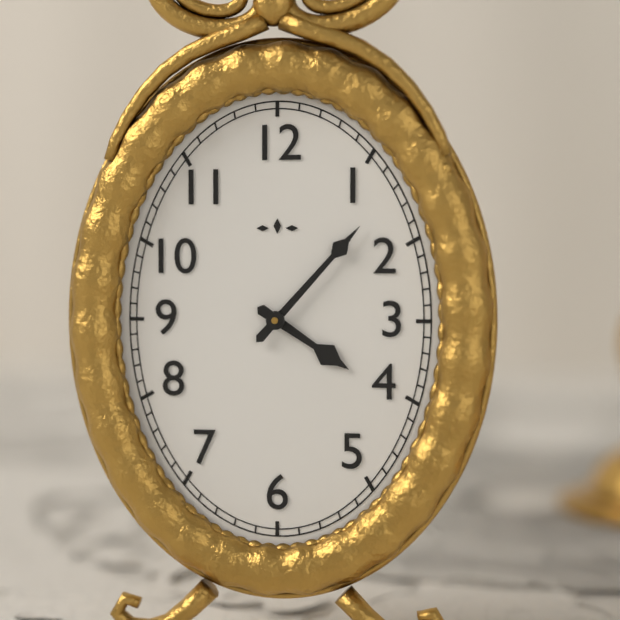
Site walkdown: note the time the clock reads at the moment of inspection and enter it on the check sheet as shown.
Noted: 4:07
